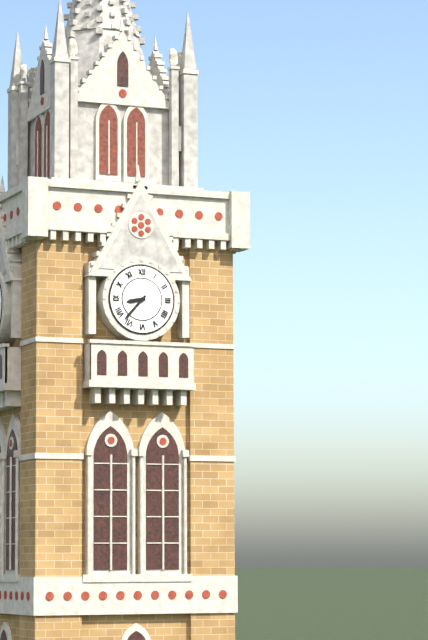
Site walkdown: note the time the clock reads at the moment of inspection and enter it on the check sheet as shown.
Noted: 8:37
